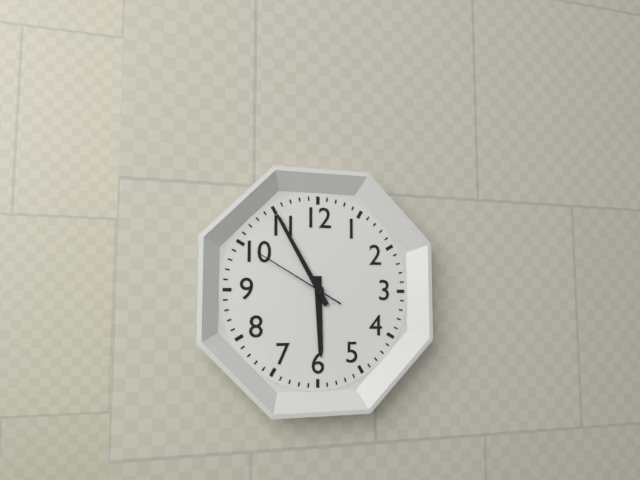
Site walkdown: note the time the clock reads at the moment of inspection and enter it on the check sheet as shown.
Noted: 5:55:50
